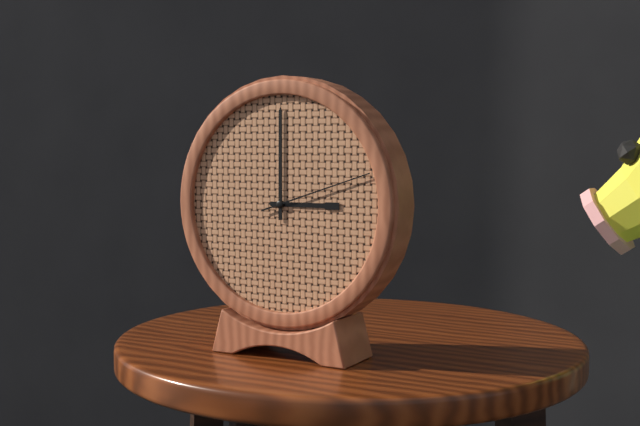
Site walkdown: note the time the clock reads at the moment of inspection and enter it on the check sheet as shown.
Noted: 3:00:12
